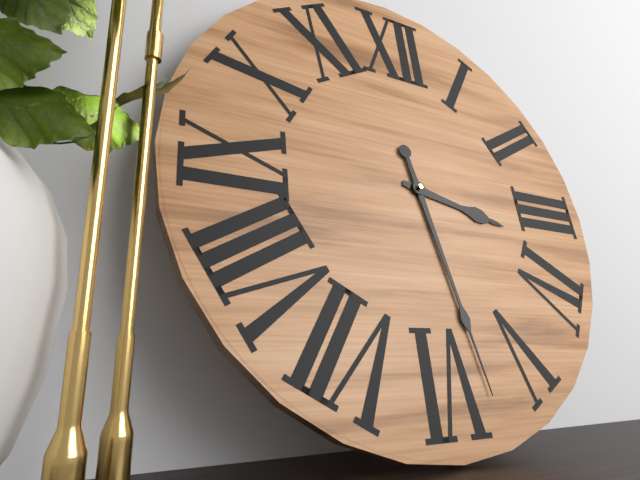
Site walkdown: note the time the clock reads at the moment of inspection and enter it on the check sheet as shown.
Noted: 3:28
